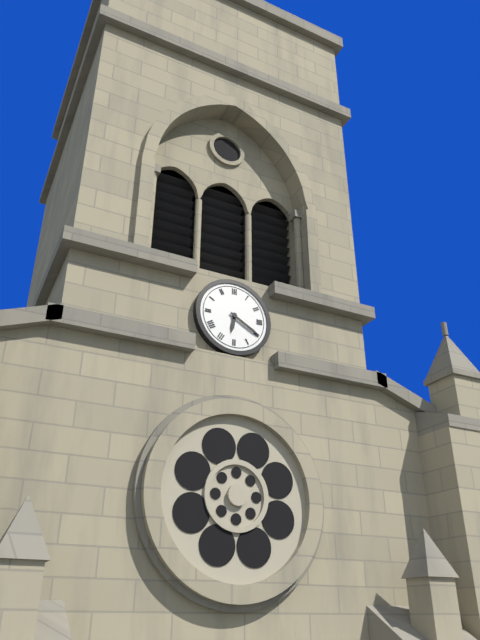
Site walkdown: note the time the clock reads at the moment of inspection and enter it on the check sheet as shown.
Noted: 6:20
